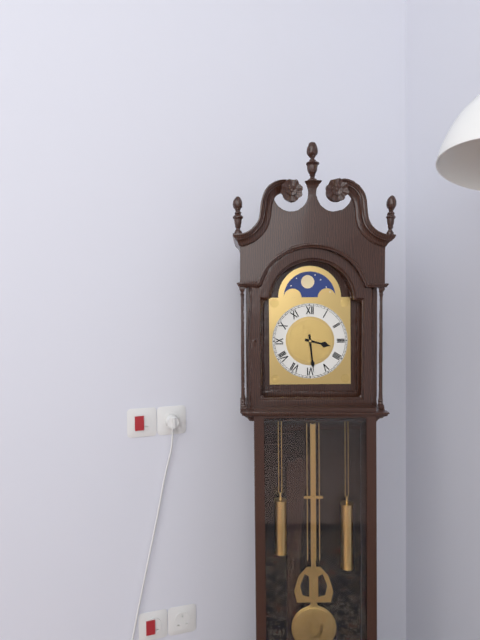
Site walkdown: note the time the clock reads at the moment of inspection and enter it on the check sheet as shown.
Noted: 3:29
